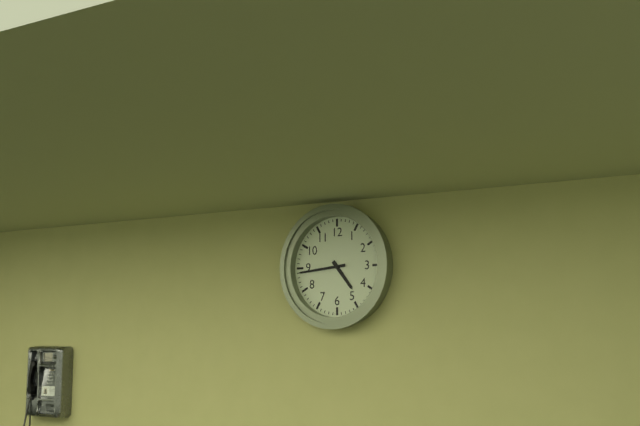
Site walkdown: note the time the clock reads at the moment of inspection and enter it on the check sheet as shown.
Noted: 4:44
